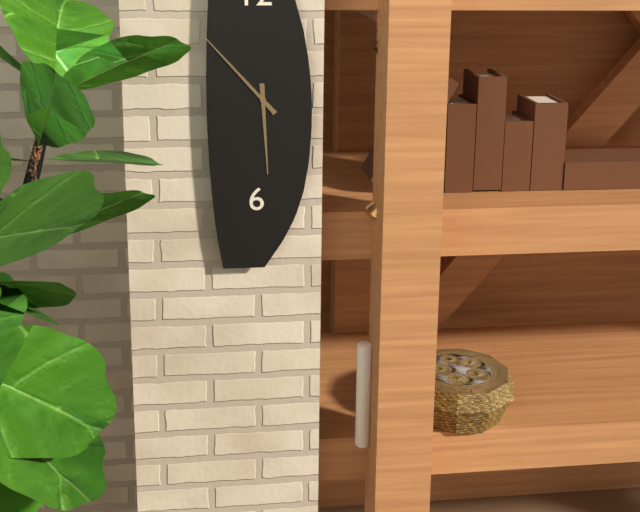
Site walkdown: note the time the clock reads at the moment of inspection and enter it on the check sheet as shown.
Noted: 5:53
